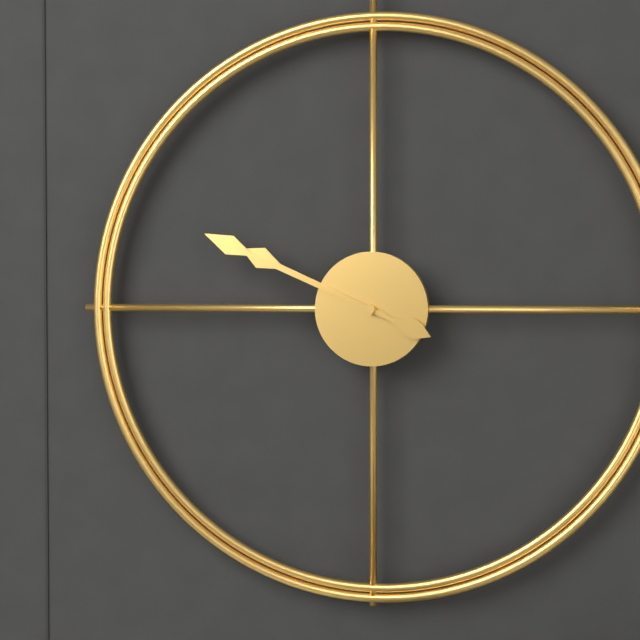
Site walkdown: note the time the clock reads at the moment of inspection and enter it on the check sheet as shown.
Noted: 9:49
